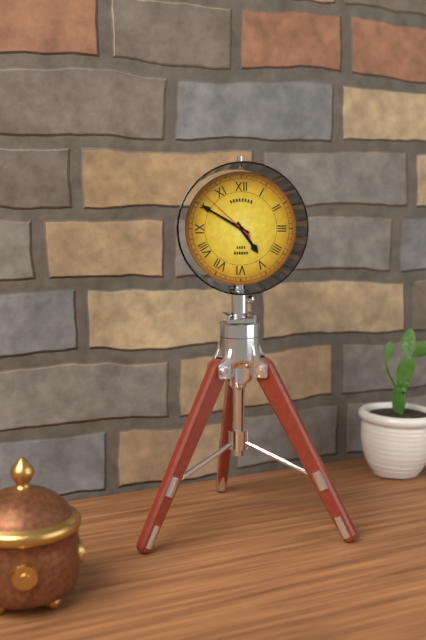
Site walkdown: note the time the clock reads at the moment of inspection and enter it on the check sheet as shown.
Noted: 4:50:52
